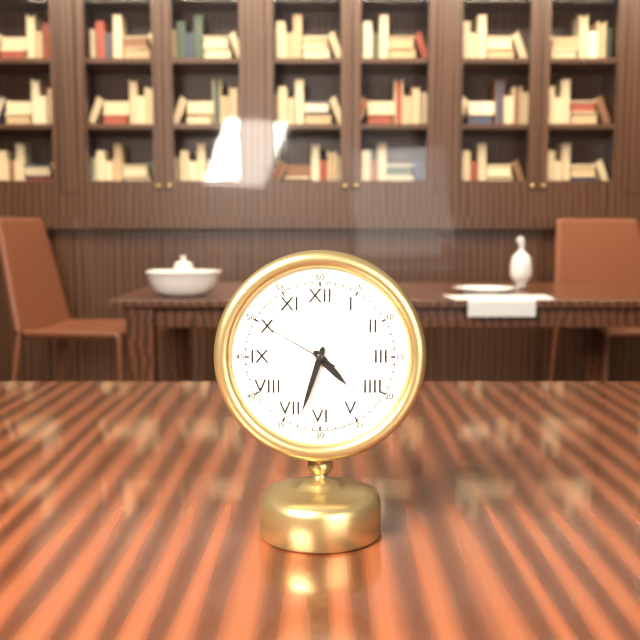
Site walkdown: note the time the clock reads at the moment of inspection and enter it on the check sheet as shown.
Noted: 4:33:50
